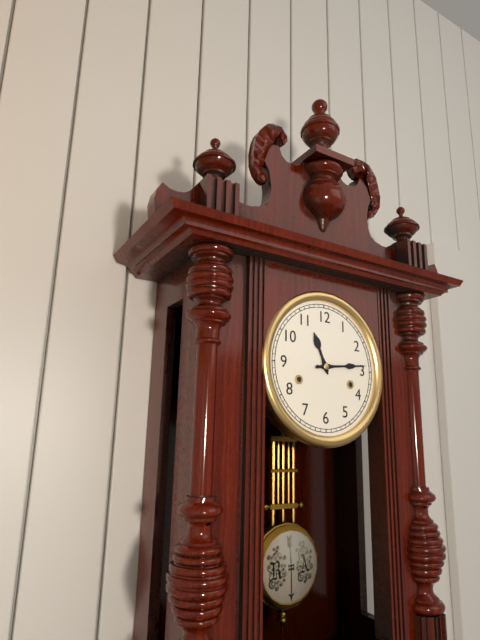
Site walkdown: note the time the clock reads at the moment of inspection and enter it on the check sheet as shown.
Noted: 11:14
